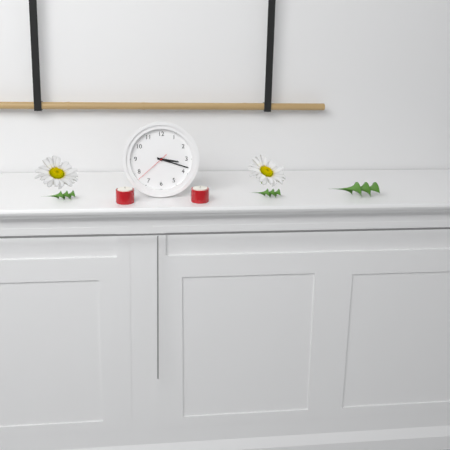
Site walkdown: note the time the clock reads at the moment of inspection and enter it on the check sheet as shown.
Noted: 3:18
